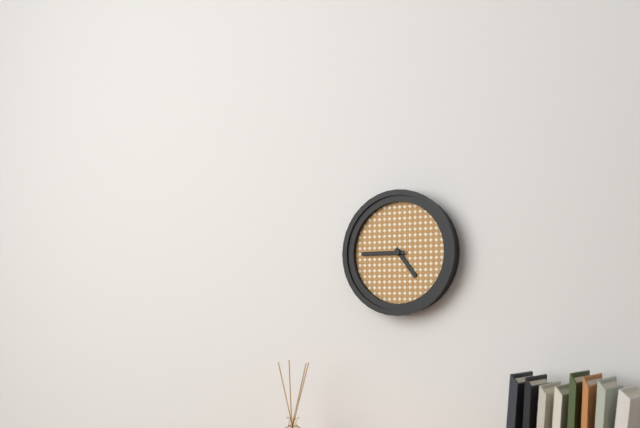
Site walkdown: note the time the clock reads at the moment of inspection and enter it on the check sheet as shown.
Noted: 4:45
